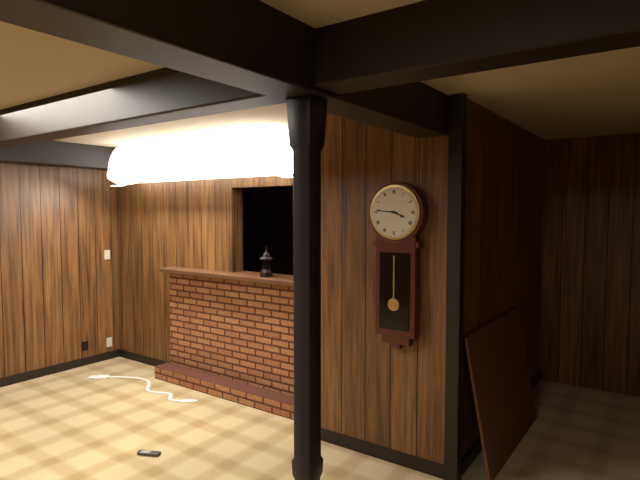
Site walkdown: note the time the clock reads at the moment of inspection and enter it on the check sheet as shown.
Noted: 3:46
